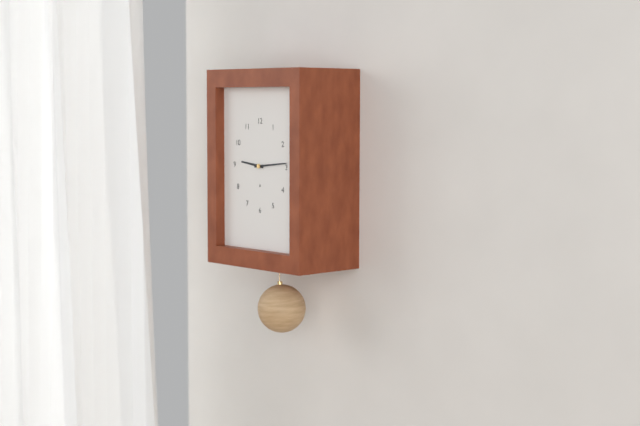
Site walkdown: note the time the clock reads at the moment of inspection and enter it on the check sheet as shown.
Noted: 9:14
